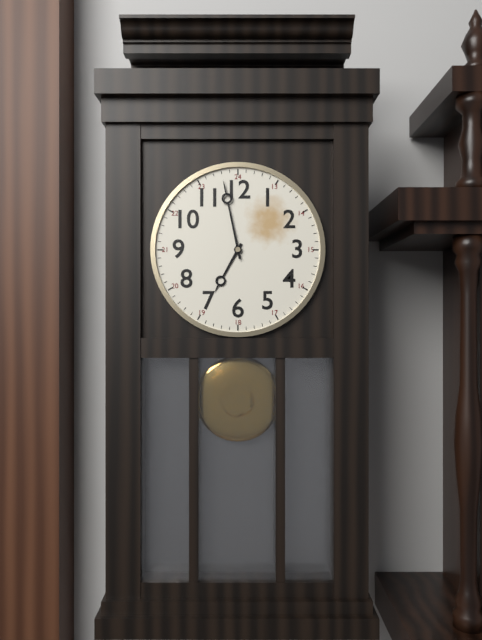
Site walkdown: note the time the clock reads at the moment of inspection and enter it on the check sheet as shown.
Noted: 6:58
